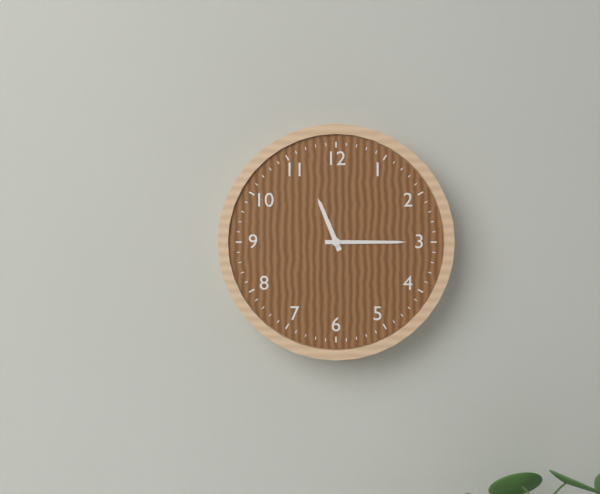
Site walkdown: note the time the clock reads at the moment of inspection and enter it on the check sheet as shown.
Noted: 11:15
